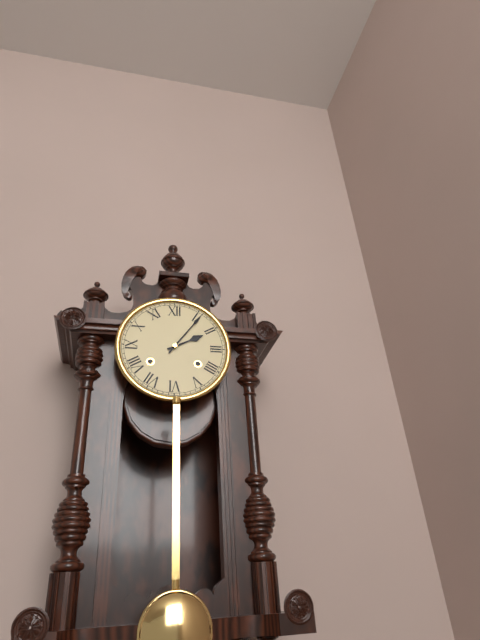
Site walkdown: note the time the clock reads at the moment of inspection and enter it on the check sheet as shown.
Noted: 2:06
